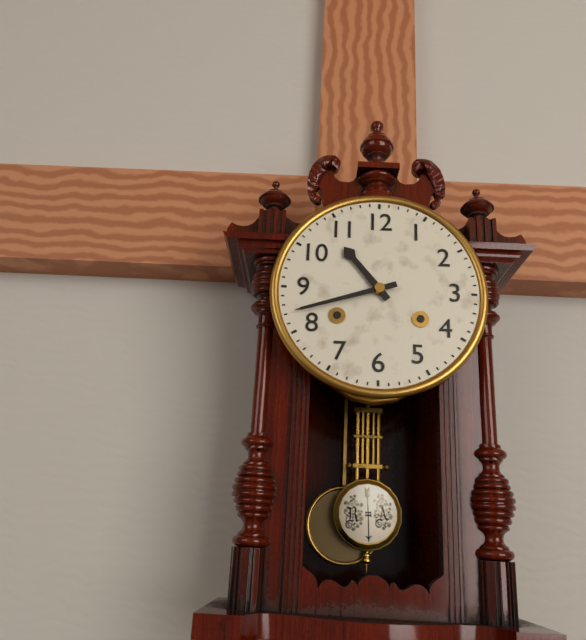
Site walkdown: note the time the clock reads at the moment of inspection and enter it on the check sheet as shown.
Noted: 10:42
